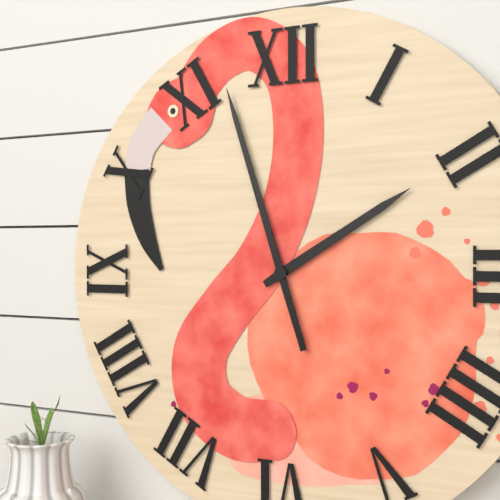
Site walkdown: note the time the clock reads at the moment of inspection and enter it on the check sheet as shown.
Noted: 1:57
